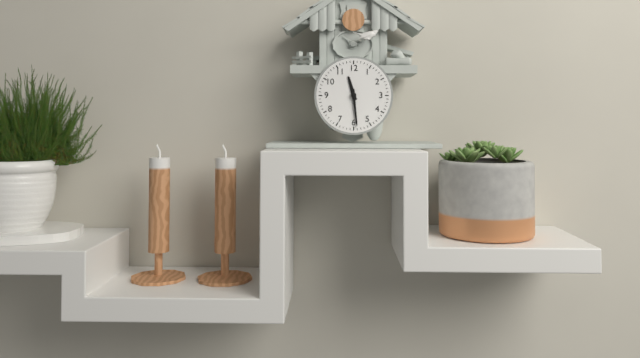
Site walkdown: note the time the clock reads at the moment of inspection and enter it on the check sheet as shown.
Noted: 11:29
